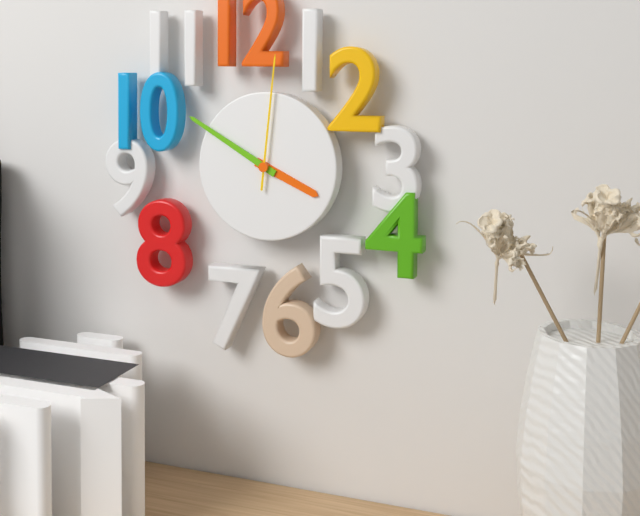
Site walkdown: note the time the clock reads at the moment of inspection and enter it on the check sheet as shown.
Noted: 3:50:01
